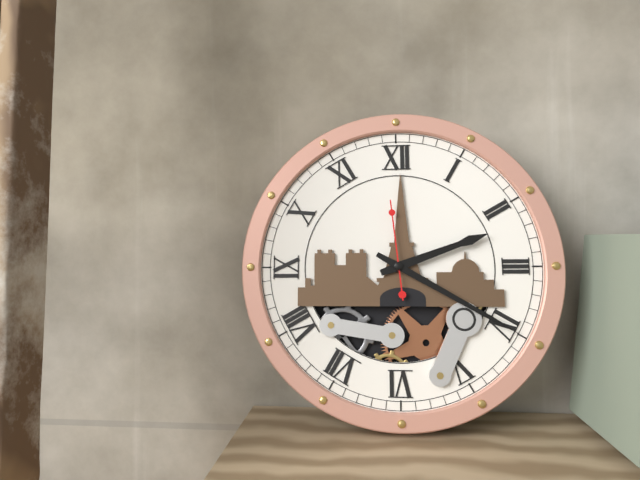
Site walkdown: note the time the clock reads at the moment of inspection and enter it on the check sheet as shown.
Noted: 2:20:59
